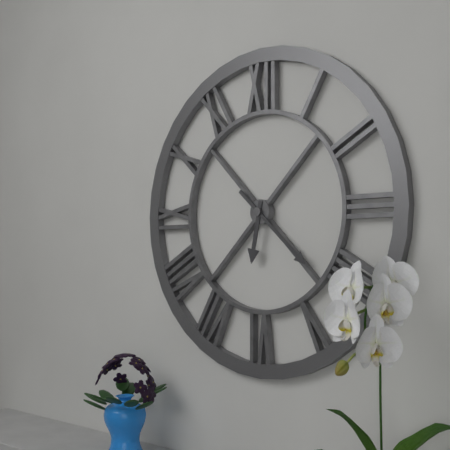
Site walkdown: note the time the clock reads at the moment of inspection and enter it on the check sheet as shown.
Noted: 6:22
